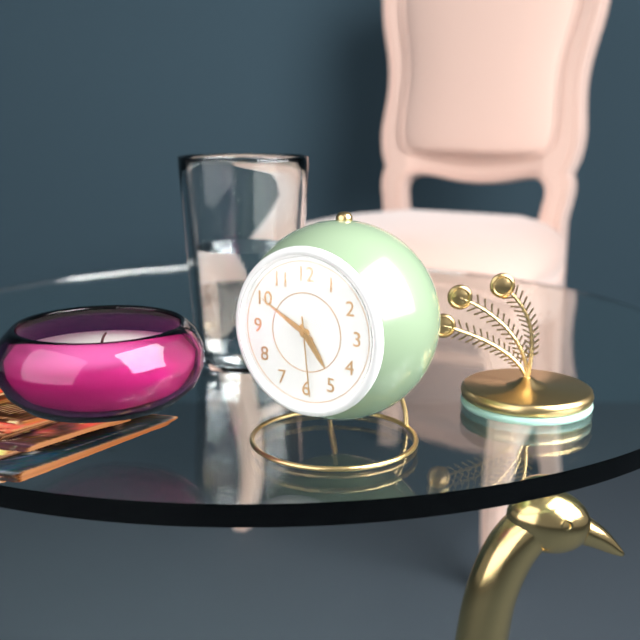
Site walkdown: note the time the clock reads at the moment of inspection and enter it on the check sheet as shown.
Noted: 4:50:29
